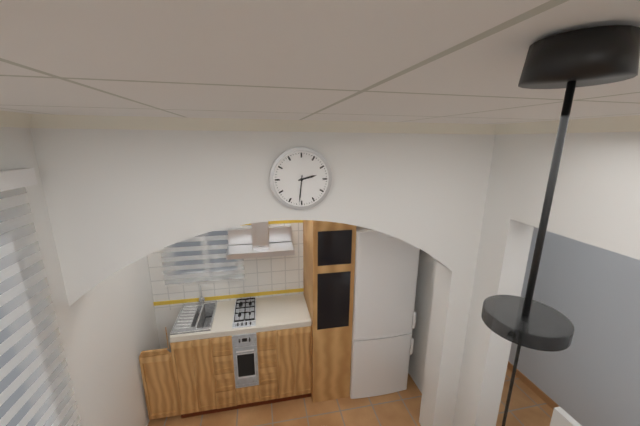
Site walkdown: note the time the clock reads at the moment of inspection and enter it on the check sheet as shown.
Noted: 2:31
